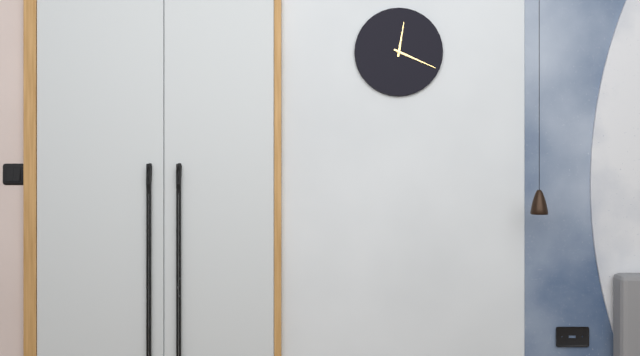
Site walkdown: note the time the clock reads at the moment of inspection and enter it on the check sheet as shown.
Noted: 12:19
